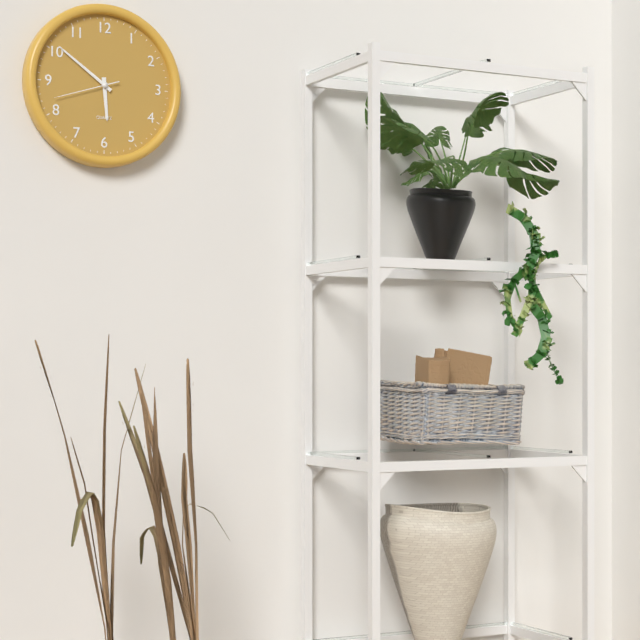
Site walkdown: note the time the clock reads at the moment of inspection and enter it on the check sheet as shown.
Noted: 5:51:42
